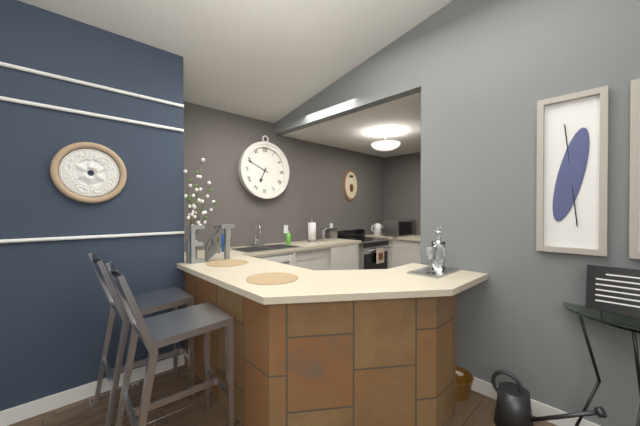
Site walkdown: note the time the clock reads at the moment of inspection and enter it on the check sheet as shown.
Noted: 6:49
